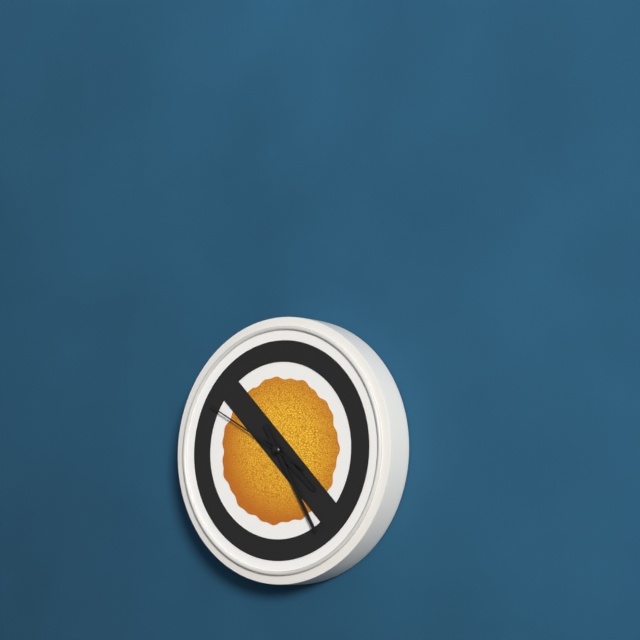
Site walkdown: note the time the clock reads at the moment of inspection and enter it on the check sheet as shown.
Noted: 4:25:50
